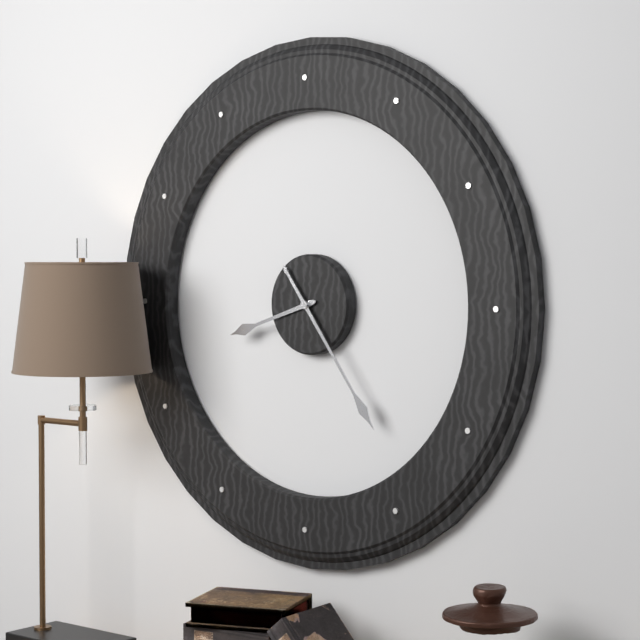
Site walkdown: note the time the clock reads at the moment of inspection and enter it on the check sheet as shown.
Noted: 8:24
